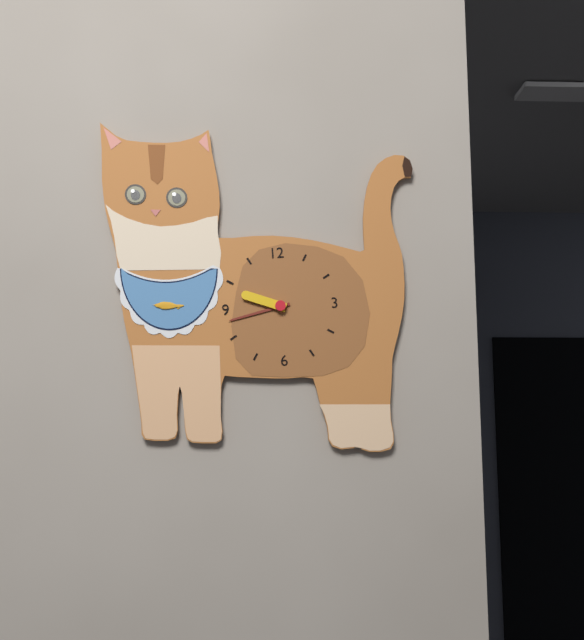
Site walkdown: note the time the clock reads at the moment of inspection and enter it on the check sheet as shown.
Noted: 9:43
